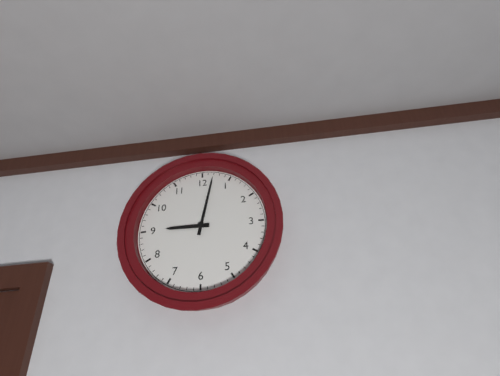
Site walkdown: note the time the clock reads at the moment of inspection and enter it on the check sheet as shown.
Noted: 9:02
